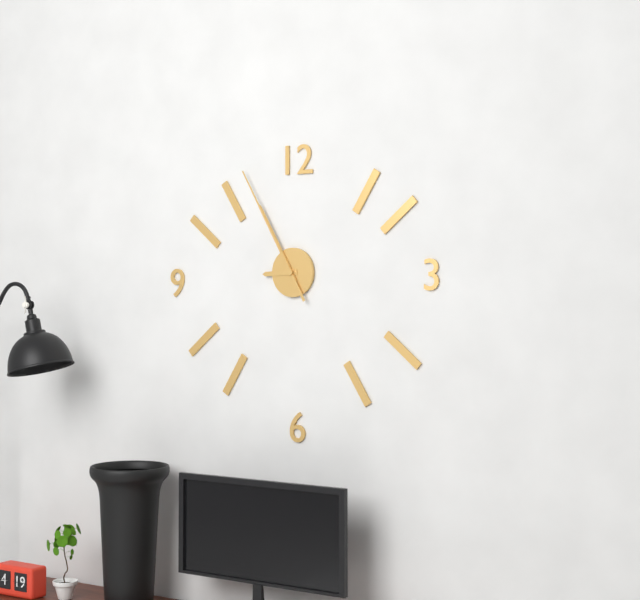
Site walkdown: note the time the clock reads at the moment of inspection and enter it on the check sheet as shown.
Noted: 8:55:55
